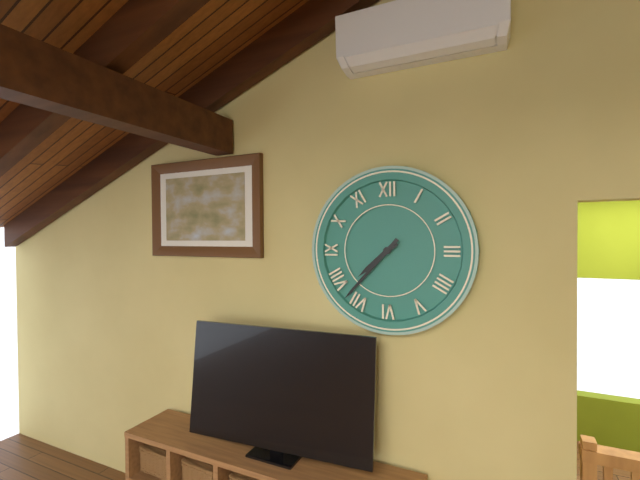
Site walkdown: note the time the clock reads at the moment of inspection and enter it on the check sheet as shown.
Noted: 7:37
